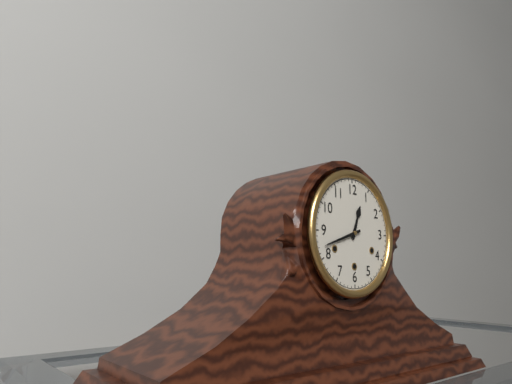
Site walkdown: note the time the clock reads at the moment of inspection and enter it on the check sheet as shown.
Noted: 12:42
